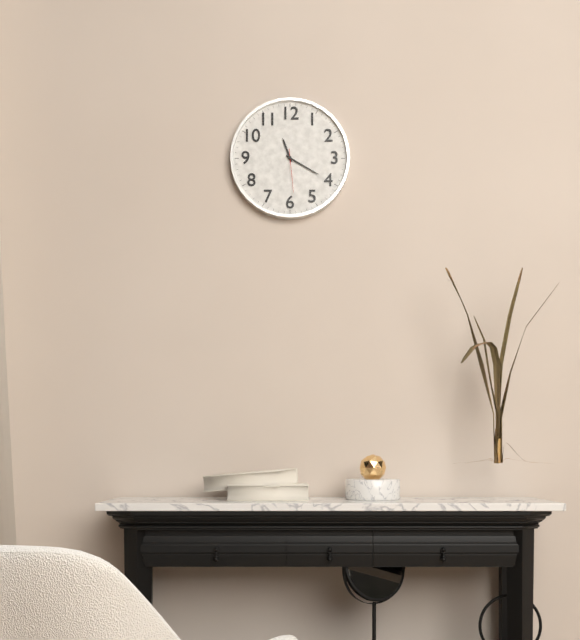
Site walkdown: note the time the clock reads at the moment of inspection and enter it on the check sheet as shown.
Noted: 11:20
